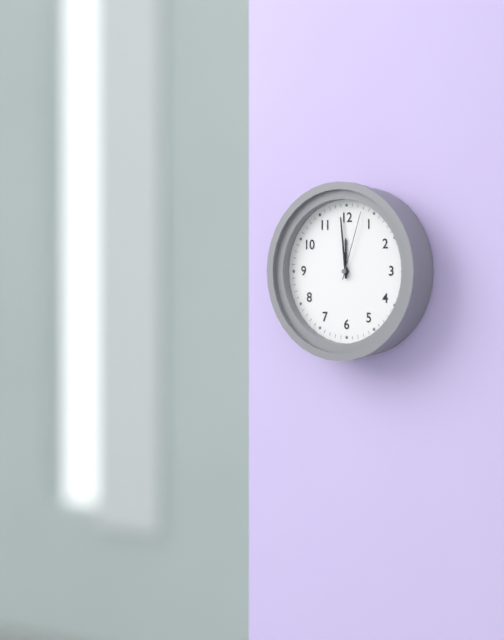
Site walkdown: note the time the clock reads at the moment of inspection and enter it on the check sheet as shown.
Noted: 11:59:03
